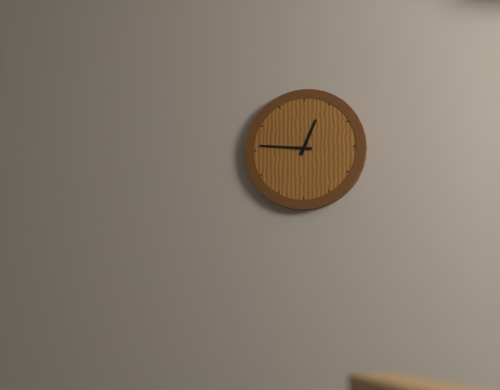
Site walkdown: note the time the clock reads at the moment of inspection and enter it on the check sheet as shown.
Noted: 12:46
